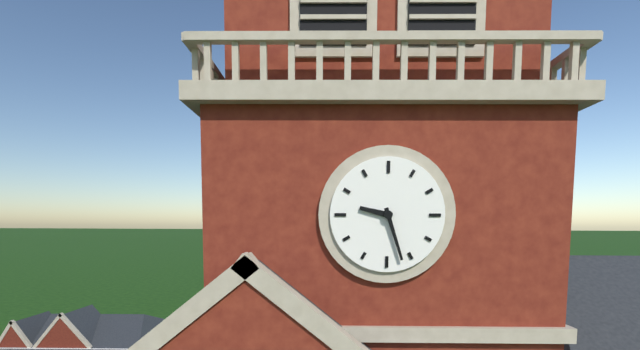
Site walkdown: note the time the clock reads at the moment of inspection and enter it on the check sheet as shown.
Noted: 9:27
